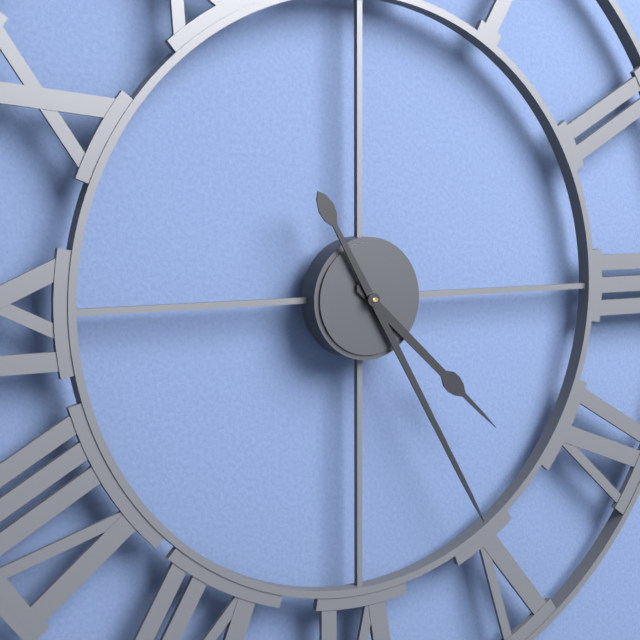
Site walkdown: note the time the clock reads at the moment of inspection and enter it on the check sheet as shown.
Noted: 4:25
